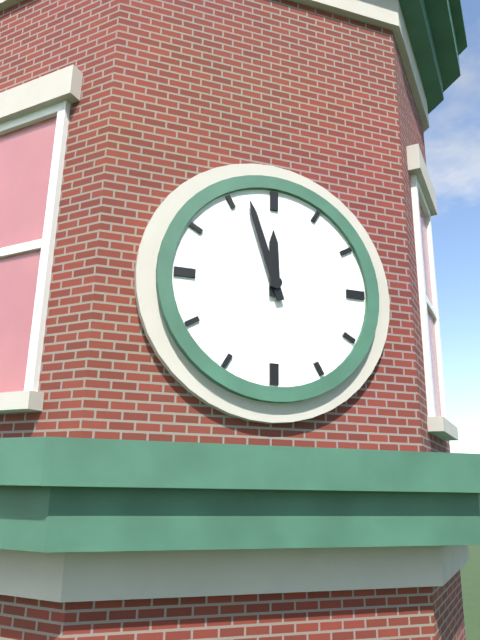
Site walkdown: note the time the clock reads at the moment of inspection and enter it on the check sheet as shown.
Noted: 11:57
